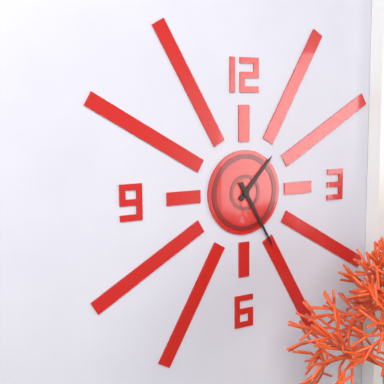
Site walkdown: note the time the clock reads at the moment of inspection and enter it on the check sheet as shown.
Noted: 1:25
